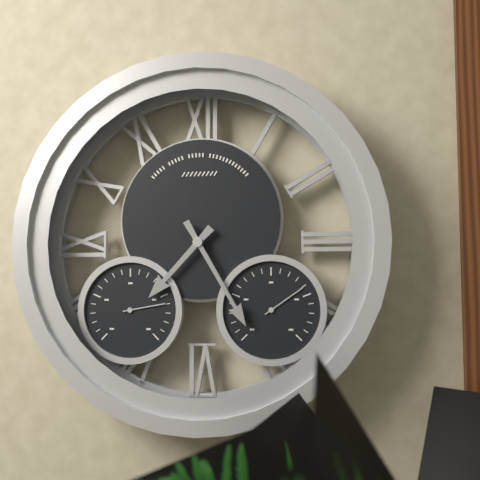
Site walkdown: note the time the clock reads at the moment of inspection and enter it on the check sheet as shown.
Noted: 7:25
